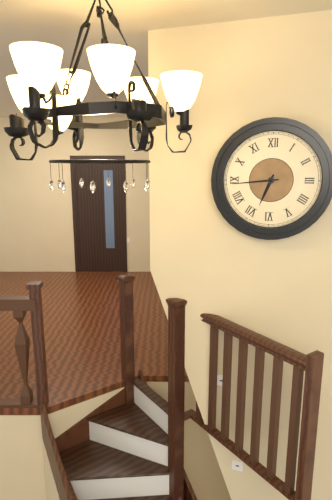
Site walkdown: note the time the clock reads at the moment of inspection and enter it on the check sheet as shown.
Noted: 6:44
